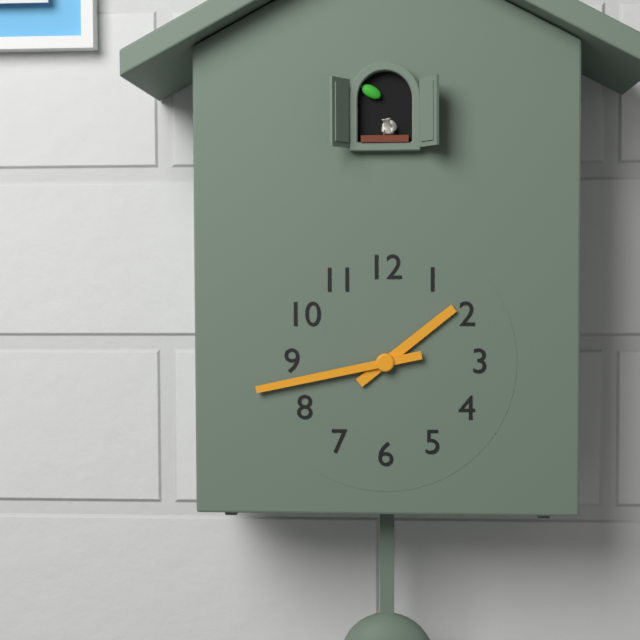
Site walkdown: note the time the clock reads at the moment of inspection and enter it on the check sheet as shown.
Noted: 1:43
